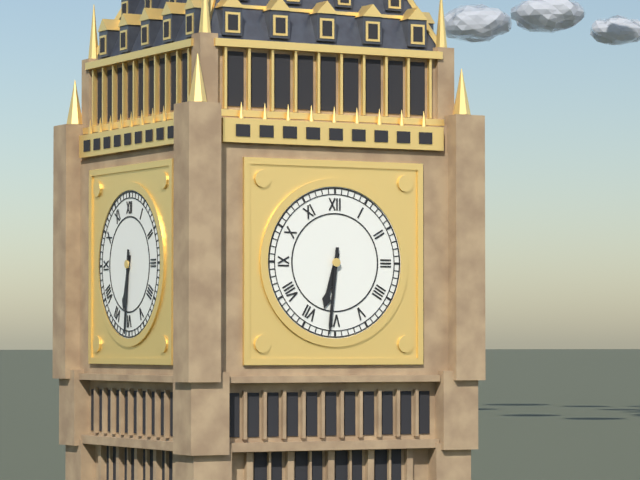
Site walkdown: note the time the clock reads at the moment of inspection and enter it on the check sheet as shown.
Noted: 6:31
